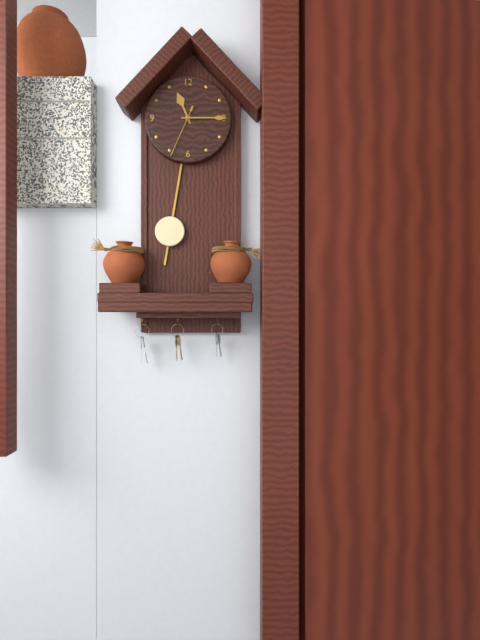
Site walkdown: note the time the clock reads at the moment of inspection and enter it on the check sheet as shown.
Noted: 11:15:34
